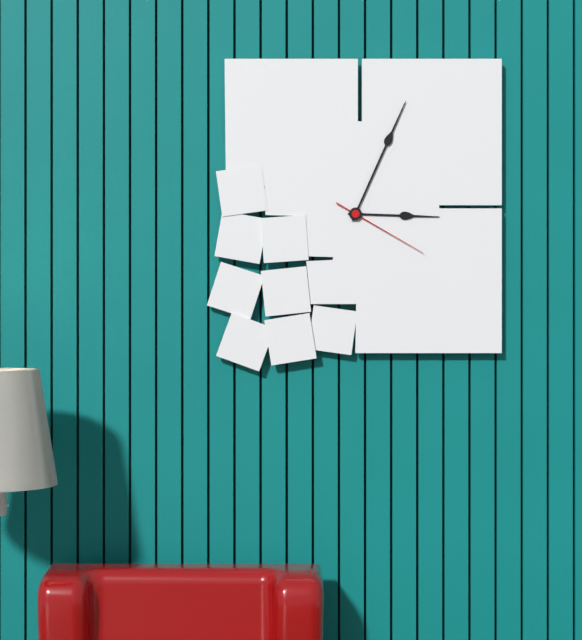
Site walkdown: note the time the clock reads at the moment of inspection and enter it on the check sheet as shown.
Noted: 3:04:20
